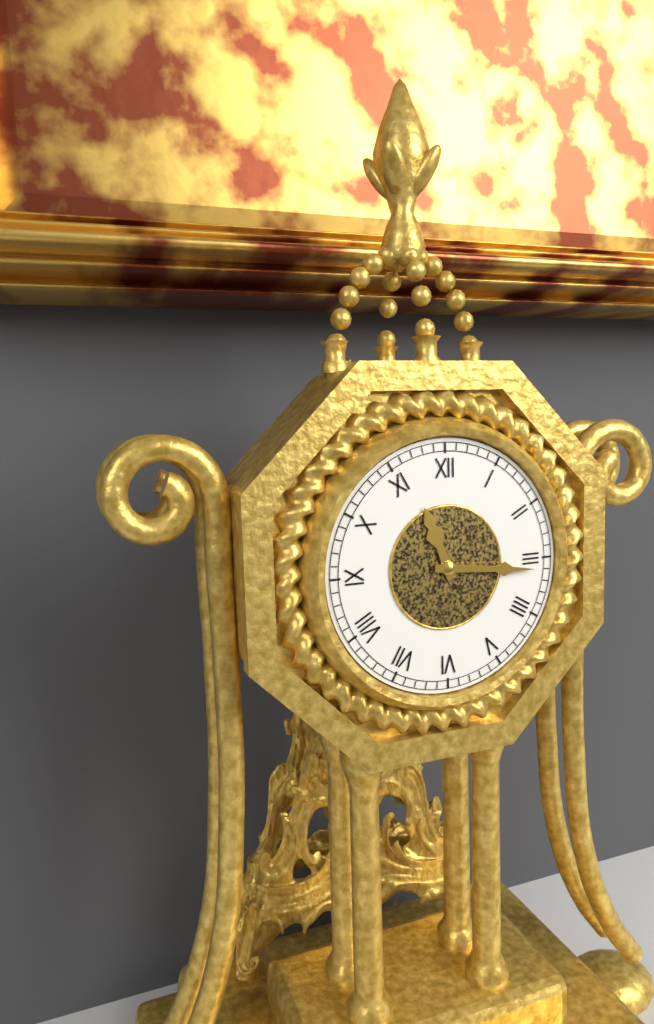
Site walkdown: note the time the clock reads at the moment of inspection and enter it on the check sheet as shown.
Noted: 11:16
